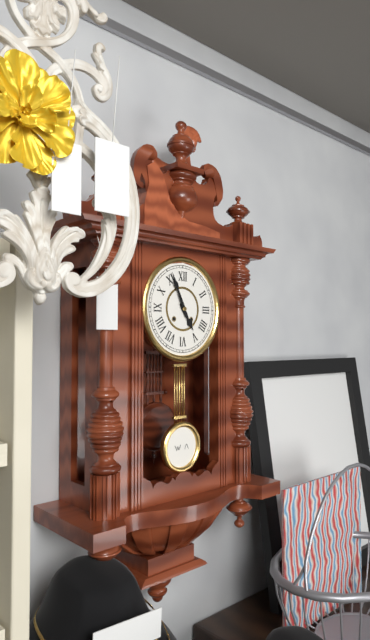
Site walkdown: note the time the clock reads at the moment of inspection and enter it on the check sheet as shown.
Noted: 4:56
